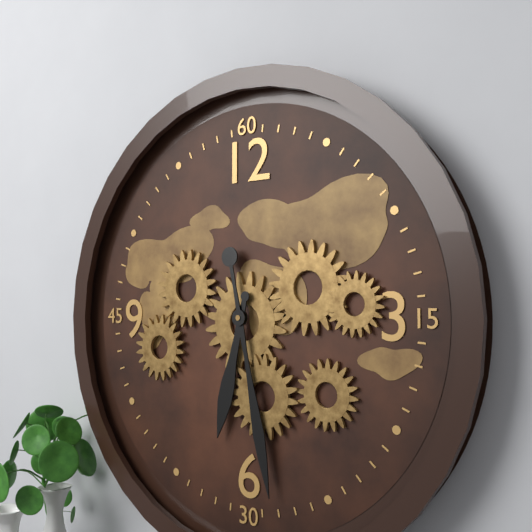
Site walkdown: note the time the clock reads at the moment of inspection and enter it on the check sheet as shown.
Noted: 6:28
